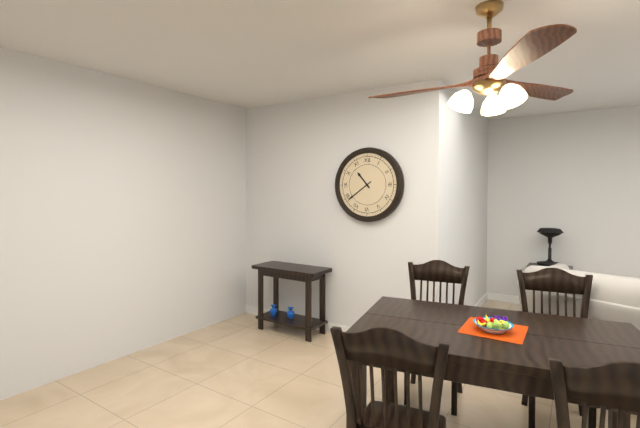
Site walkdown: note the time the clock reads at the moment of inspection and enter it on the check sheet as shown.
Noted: 10:39
